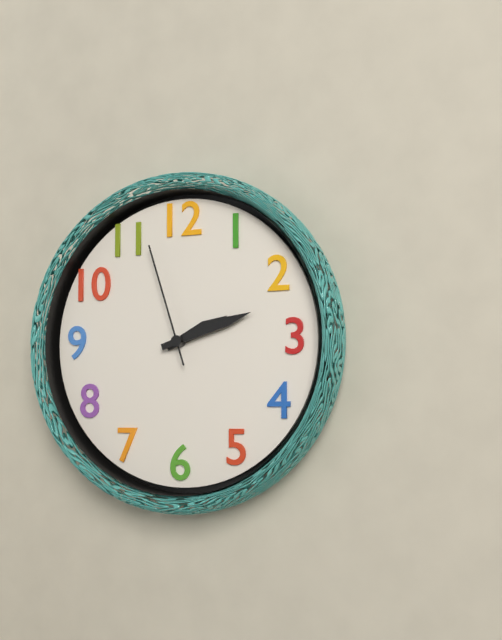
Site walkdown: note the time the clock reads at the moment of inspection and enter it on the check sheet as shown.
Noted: 2:12:57
